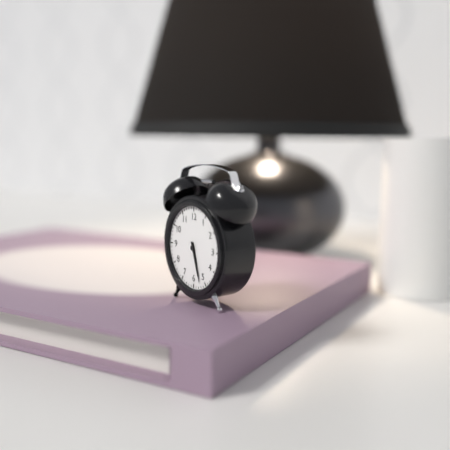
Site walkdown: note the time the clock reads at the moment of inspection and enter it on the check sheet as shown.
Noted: 5:27
